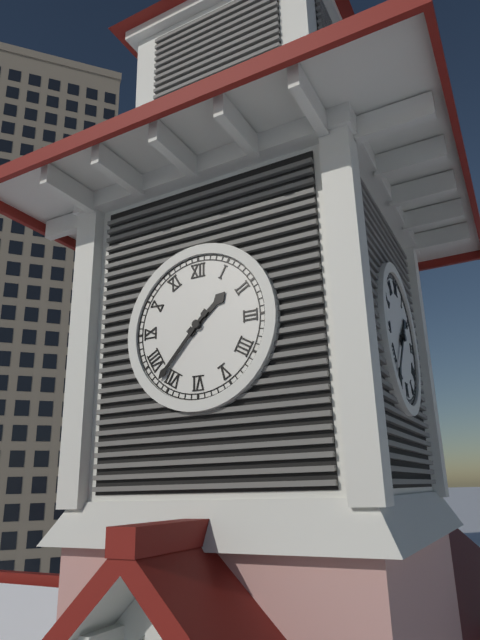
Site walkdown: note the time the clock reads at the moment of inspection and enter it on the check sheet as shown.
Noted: 1:37
